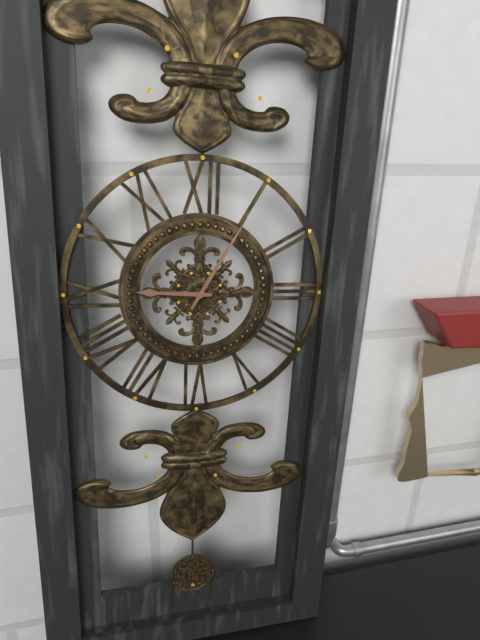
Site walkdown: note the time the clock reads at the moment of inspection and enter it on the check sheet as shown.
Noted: 9:05
